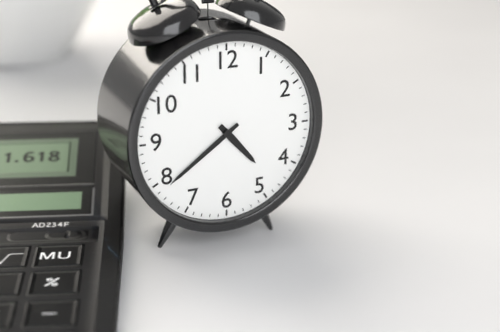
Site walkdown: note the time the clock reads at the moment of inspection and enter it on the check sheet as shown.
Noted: 4:39
